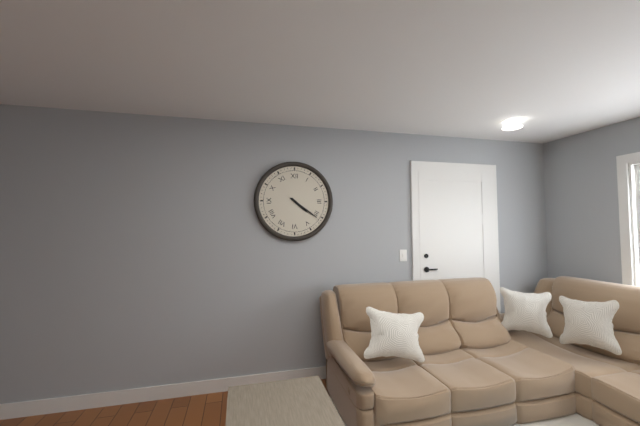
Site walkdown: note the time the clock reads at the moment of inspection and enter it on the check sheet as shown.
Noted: 4:21
